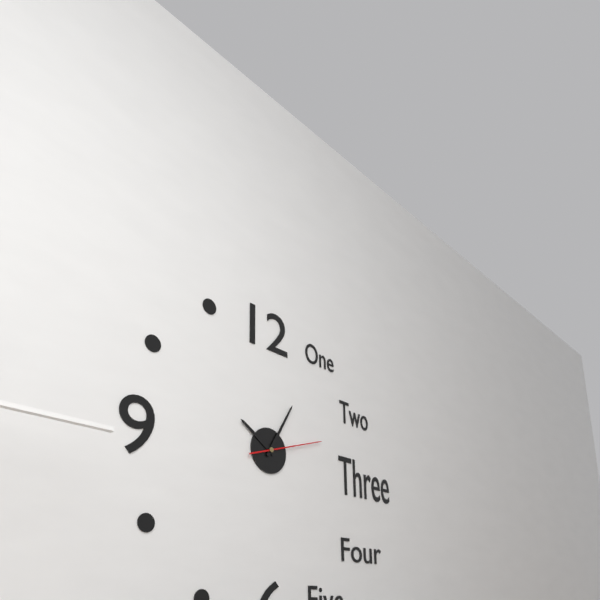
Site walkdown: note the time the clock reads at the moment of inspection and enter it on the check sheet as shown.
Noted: 10:05:12
